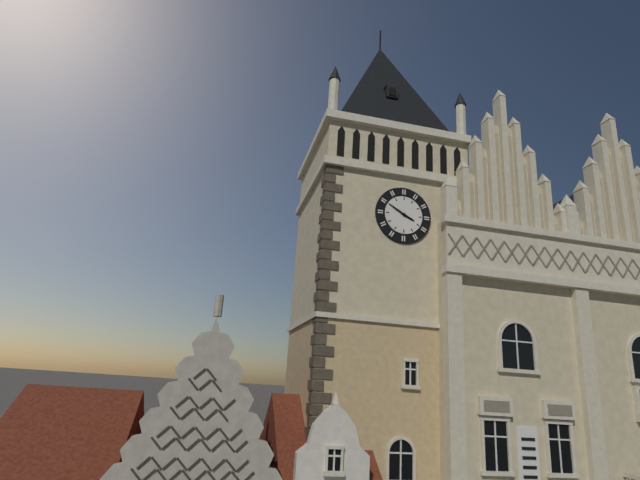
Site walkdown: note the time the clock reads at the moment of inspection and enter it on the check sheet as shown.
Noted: 3:50
